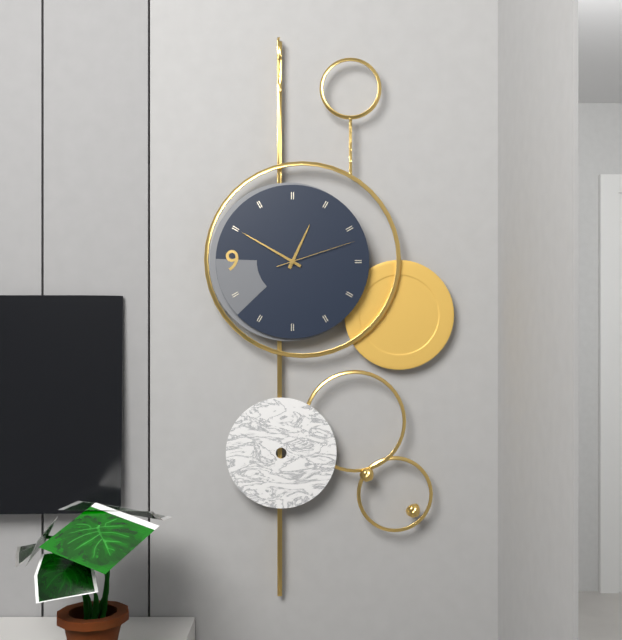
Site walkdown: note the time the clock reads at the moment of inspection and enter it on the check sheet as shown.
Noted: 12:50:12
